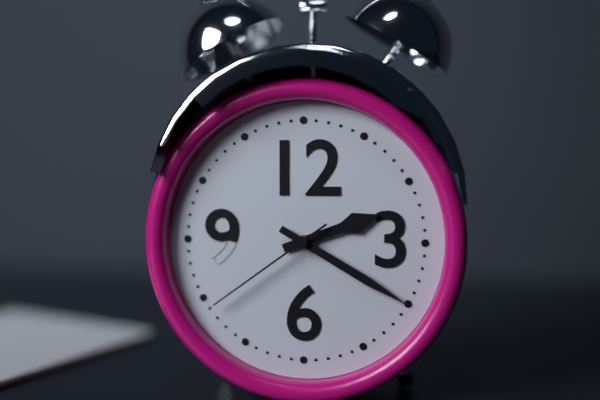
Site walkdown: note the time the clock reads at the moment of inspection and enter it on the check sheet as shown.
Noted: 2:20:39
